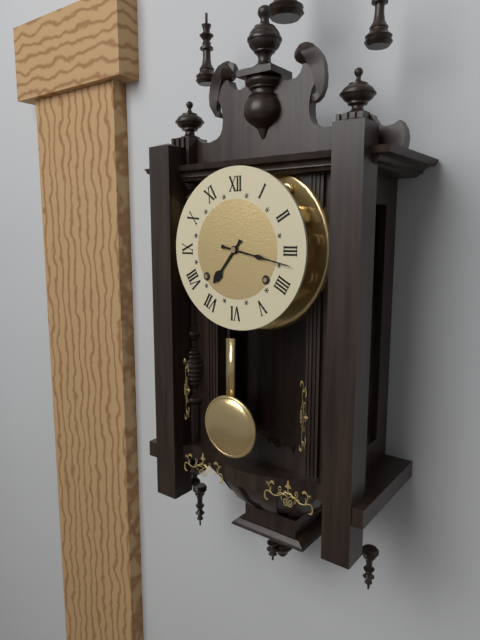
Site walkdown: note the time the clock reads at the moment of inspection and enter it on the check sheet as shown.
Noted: 7:17
